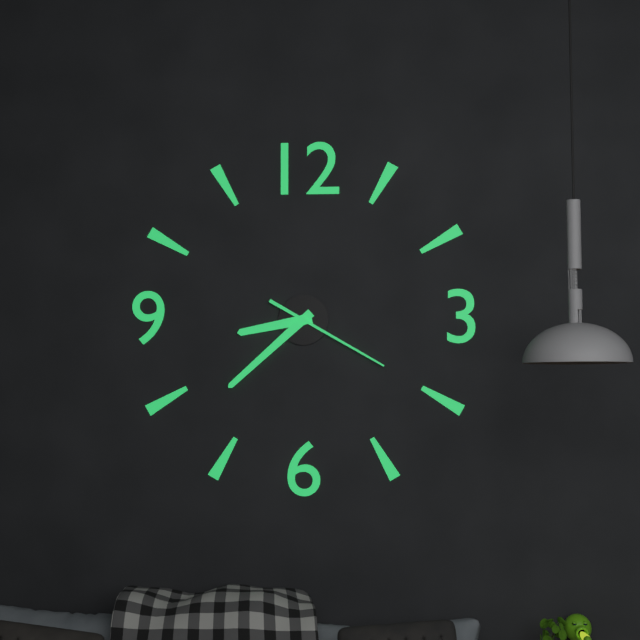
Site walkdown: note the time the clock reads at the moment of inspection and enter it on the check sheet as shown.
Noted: 8:38:20
